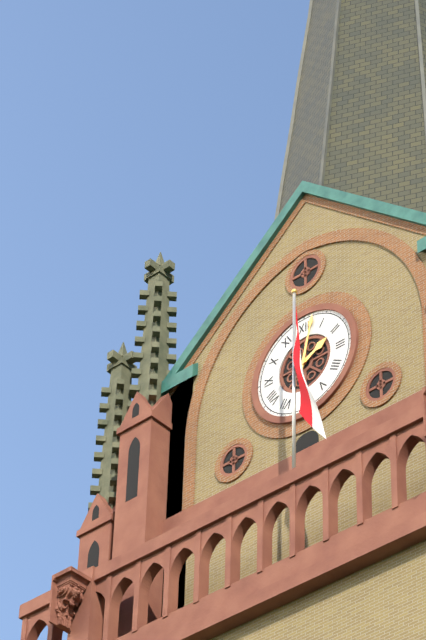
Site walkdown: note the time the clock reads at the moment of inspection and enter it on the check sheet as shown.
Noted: 2:02
